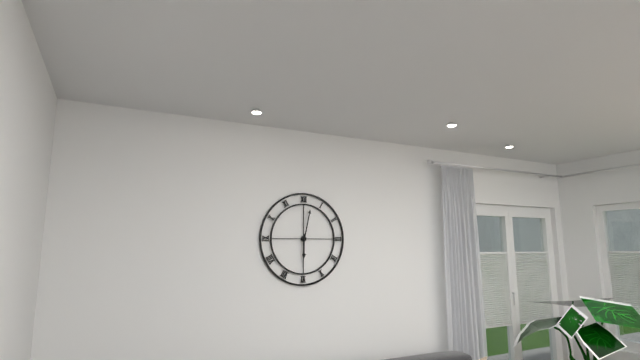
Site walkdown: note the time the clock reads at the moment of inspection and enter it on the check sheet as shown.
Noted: 6:02
